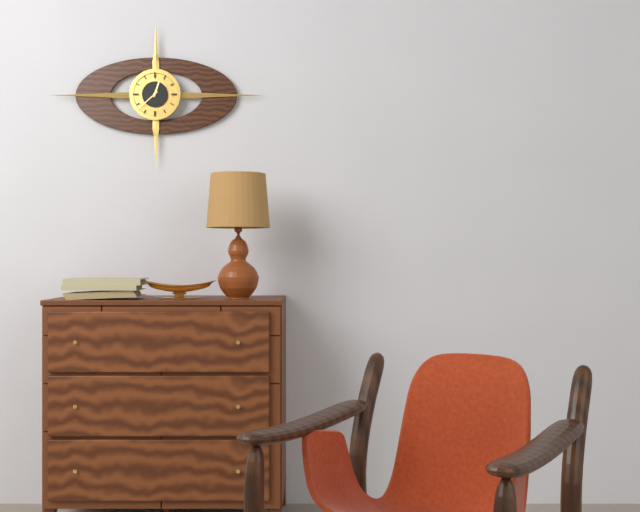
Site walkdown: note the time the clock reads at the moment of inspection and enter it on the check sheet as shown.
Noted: 12:38
